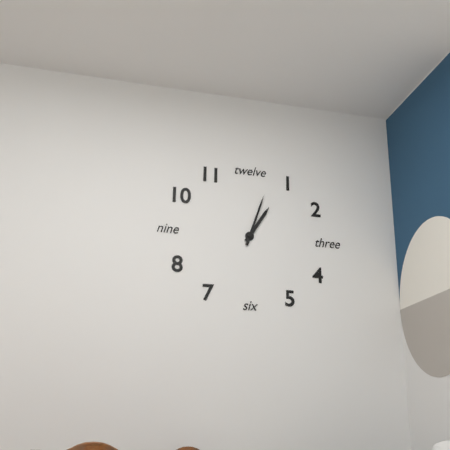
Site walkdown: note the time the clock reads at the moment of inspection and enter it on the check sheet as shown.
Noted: 1:03
